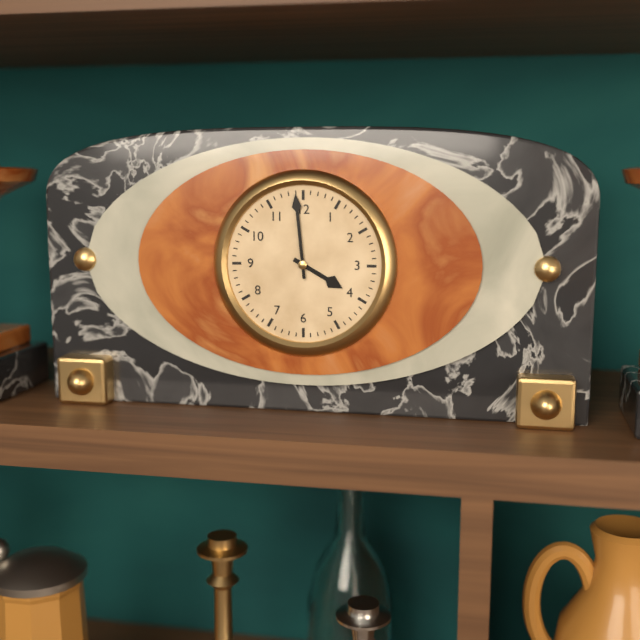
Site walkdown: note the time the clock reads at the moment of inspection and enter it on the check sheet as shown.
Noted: 3:59
